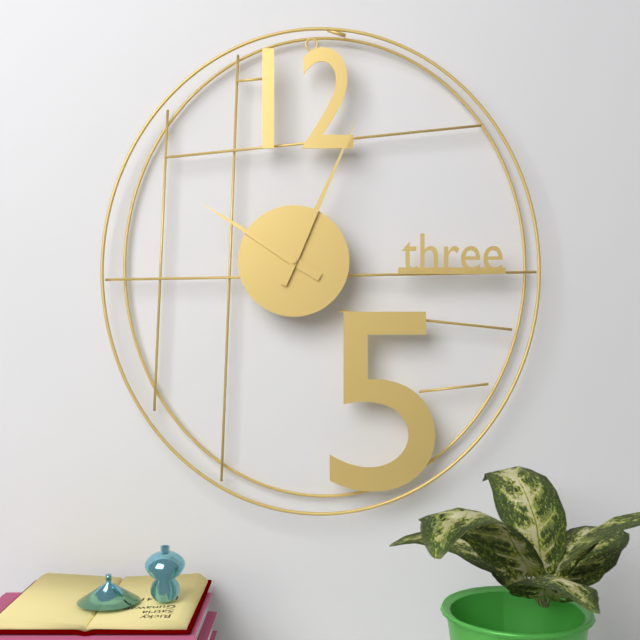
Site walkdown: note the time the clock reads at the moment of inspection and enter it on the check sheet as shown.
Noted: 10:04
